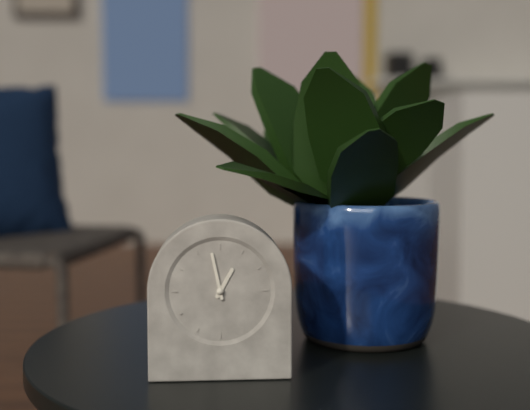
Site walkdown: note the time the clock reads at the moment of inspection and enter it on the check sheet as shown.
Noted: 12:58
